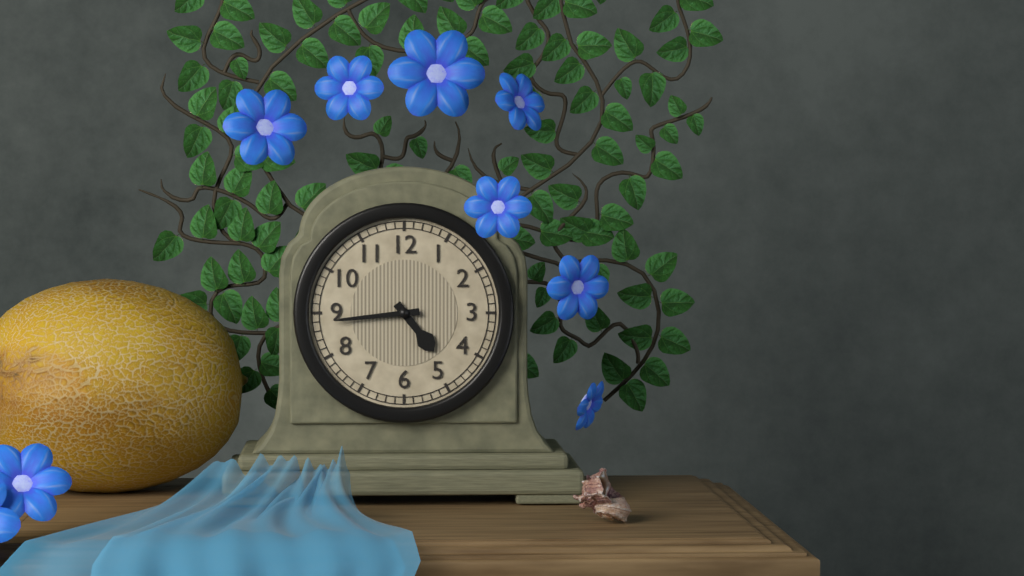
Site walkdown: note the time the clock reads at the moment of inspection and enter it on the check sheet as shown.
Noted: 4:44
